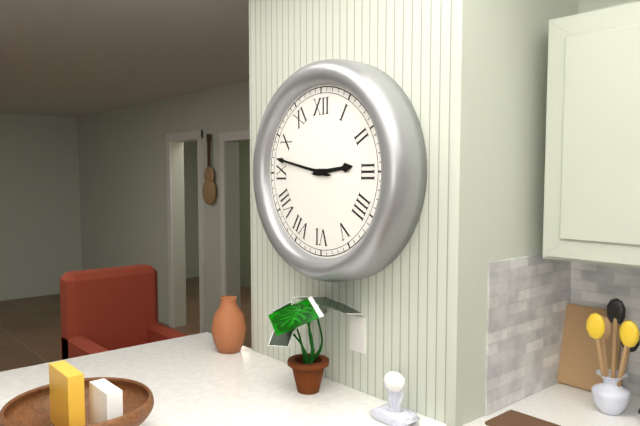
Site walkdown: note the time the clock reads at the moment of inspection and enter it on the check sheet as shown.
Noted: 2:47
